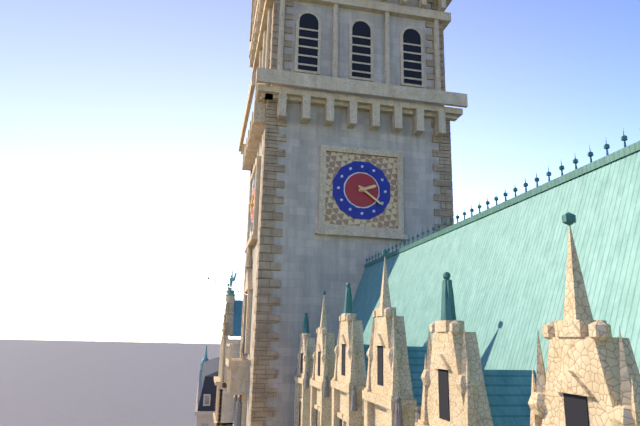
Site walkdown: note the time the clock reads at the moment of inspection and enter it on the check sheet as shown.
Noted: 2:21
